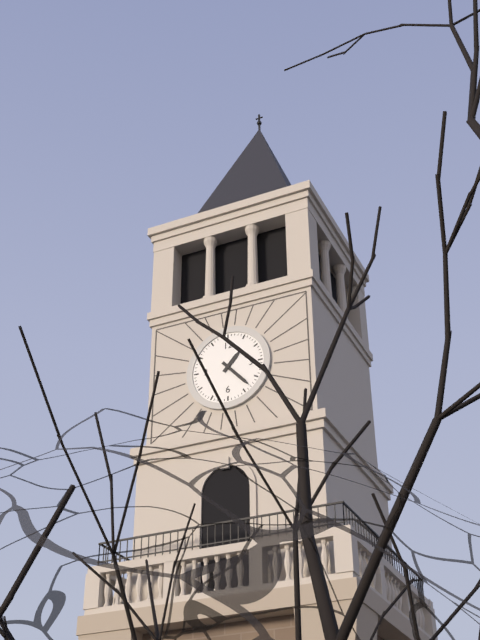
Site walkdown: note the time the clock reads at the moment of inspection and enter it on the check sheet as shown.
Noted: 1:23
